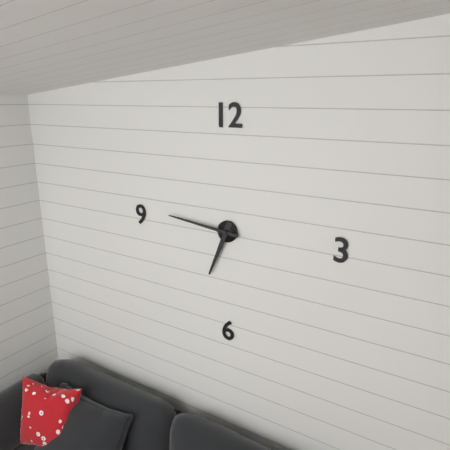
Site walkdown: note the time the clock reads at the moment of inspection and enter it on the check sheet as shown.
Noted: 6:46
